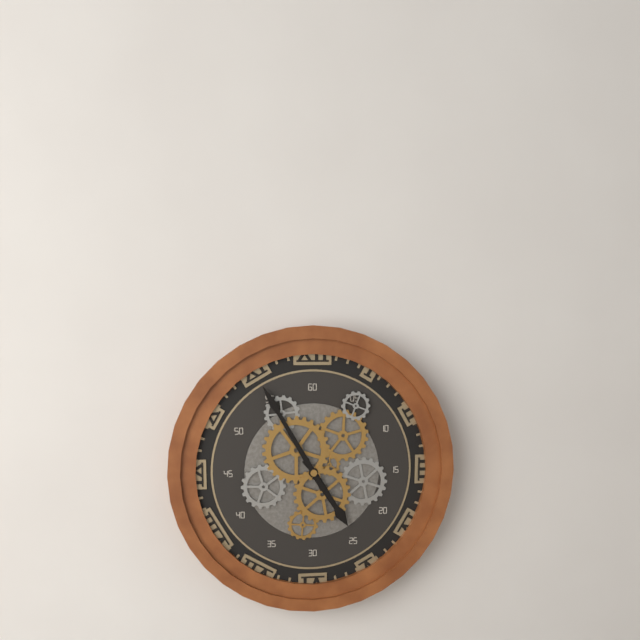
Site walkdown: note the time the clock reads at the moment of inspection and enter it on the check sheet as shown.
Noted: 4:55
